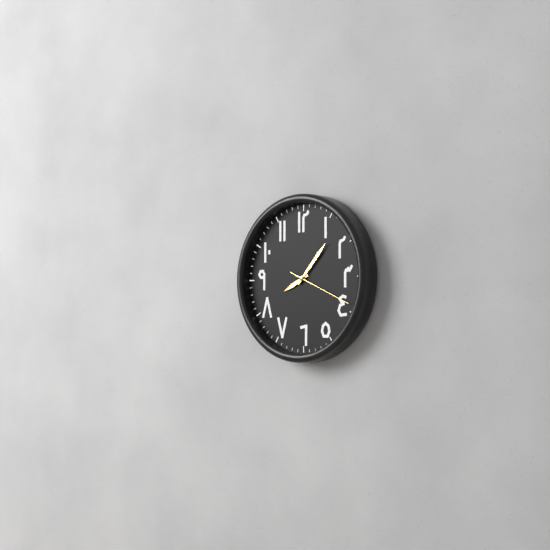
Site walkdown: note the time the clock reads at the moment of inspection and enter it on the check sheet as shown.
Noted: 8:07:19
